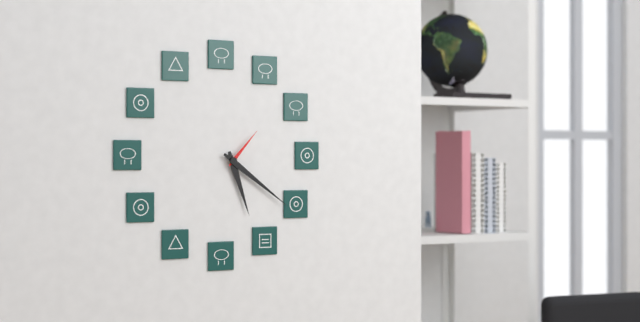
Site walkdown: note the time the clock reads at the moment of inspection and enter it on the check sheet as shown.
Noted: 5:21:07
